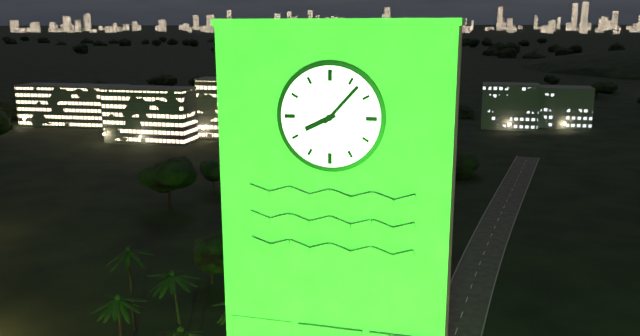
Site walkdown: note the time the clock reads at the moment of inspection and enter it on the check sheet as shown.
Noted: 8:07
